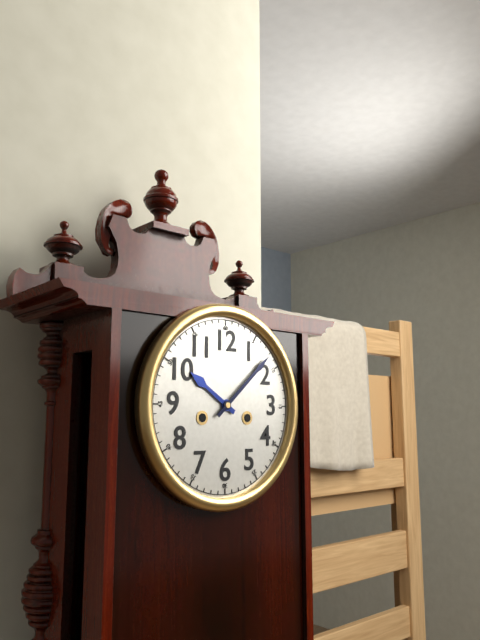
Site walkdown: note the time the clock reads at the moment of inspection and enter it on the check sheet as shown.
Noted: 10:08
